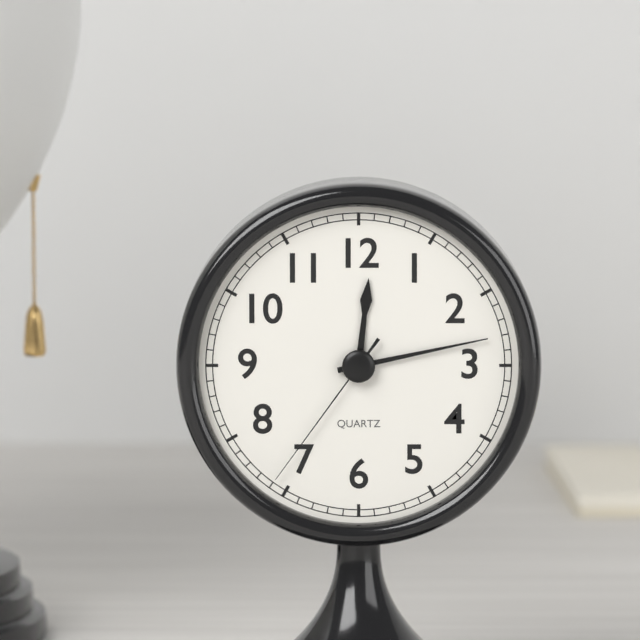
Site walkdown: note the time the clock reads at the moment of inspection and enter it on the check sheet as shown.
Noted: 12:13:36
